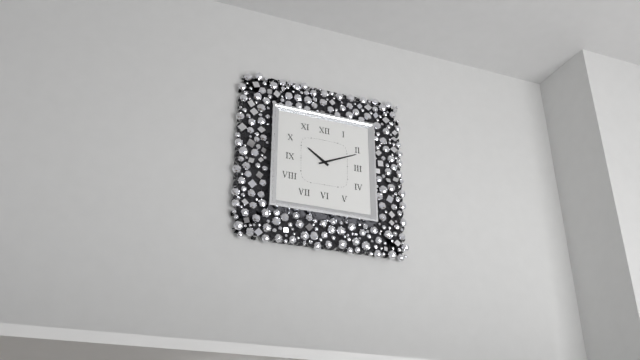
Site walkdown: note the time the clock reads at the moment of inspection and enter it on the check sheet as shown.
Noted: 10:11
